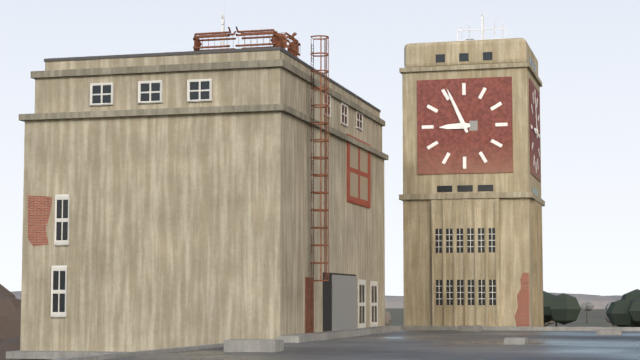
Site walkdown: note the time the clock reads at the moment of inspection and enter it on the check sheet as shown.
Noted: 8:56
